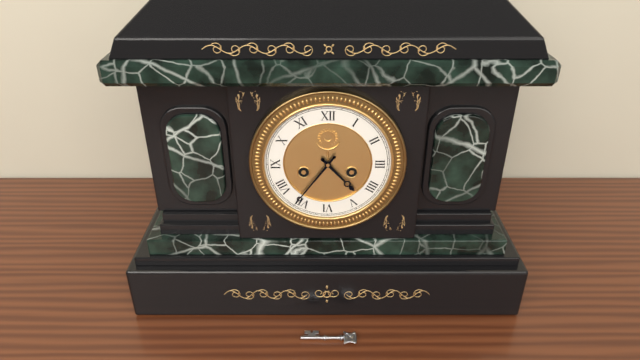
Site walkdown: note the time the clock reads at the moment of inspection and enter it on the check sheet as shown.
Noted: 4:36
